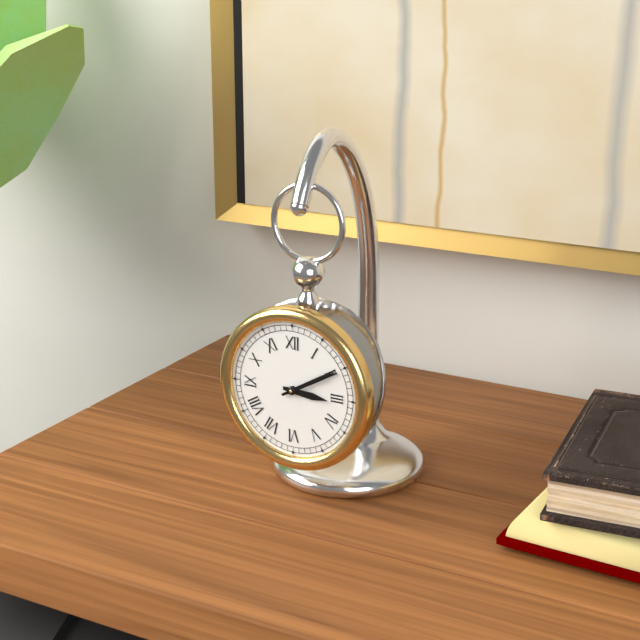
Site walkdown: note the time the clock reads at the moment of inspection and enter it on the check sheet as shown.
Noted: 3:10
